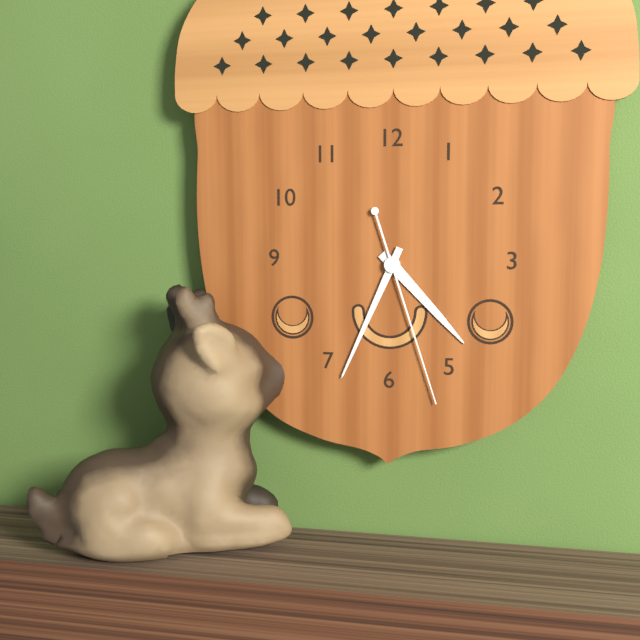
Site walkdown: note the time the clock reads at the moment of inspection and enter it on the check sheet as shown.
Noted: 4:34:27
